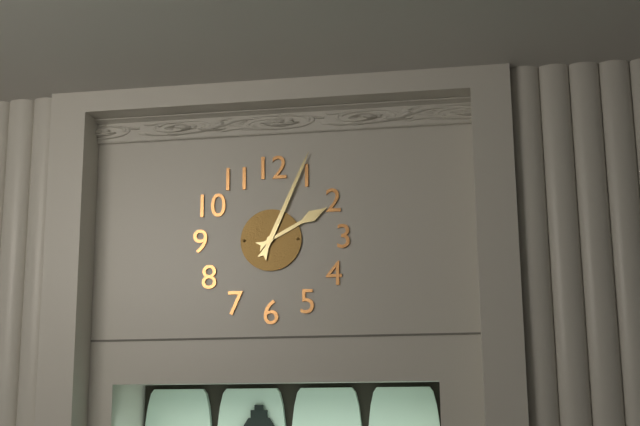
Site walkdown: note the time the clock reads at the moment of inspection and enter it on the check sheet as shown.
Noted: 2:04
